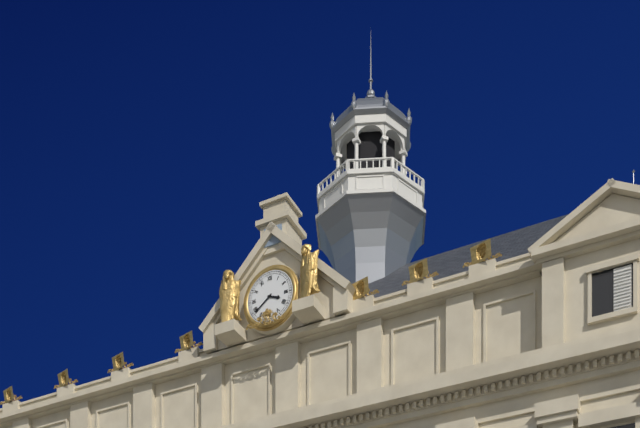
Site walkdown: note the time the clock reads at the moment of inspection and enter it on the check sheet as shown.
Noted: 3:39
